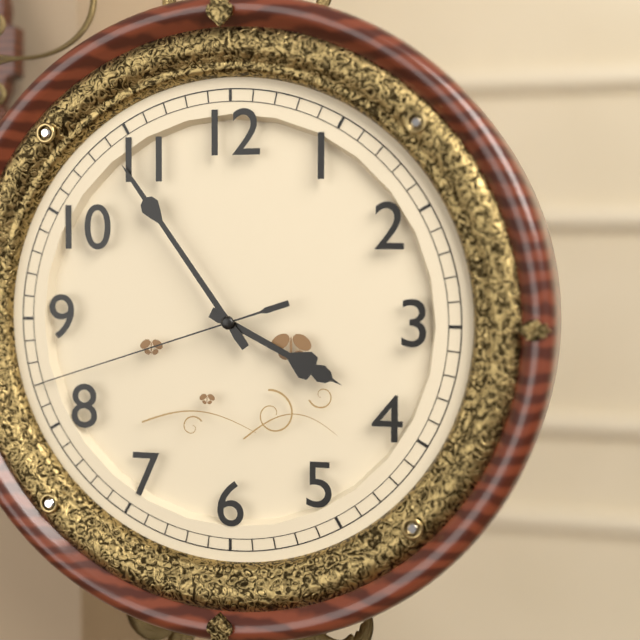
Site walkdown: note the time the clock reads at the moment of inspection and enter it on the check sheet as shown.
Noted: 3:54:42
